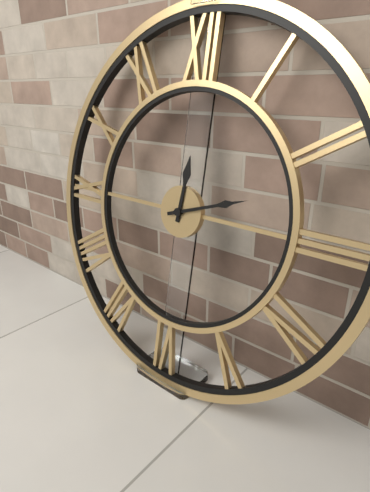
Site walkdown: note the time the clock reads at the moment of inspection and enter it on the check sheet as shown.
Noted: 12:12
